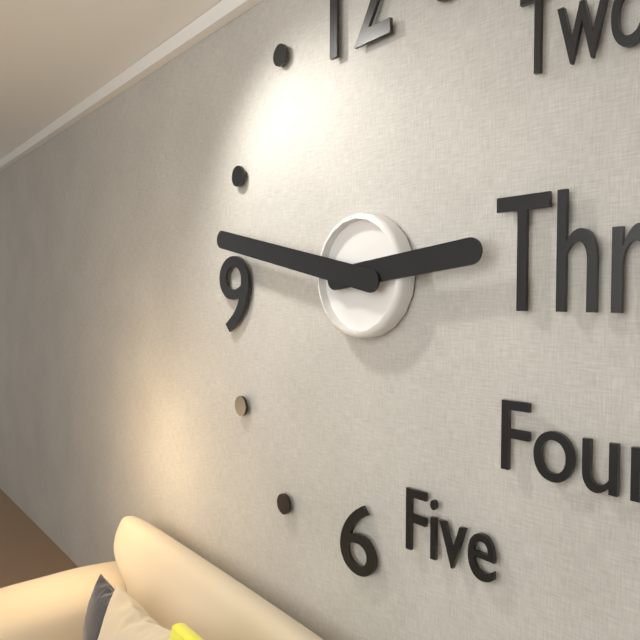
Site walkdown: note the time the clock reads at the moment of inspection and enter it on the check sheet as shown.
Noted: 2:47
